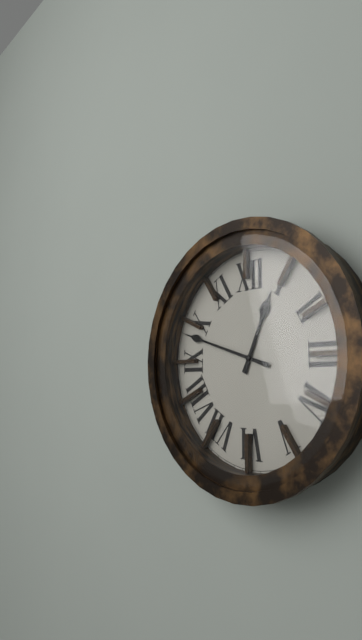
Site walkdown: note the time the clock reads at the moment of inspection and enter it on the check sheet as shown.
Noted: 12:48
